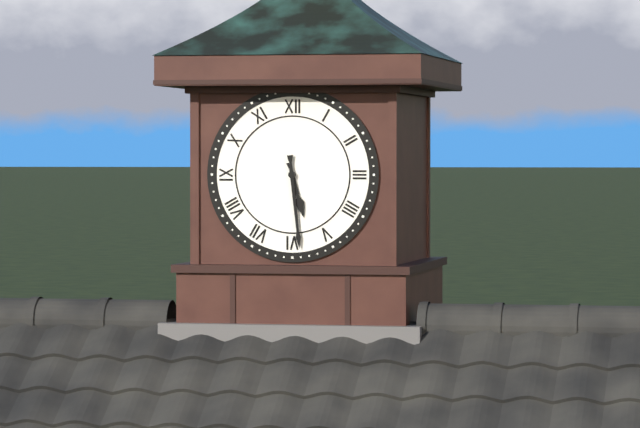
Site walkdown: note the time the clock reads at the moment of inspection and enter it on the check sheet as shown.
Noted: 5:29
